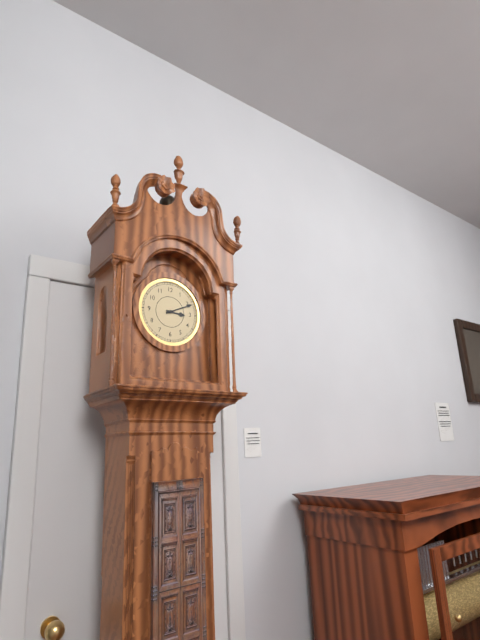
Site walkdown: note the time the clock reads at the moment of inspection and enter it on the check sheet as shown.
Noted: 3:11
